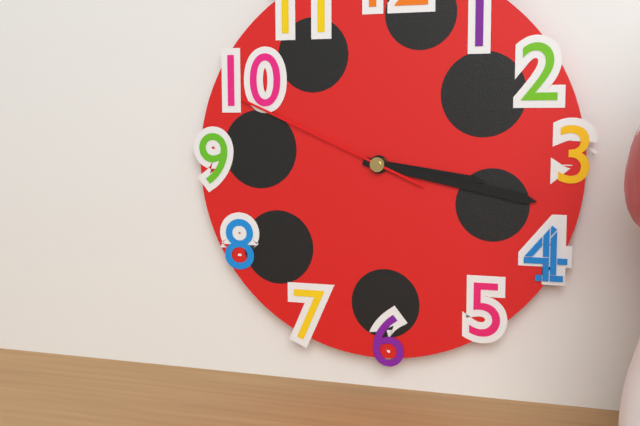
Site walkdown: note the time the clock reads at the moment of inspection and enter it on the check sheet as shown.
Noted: 3:17:49
